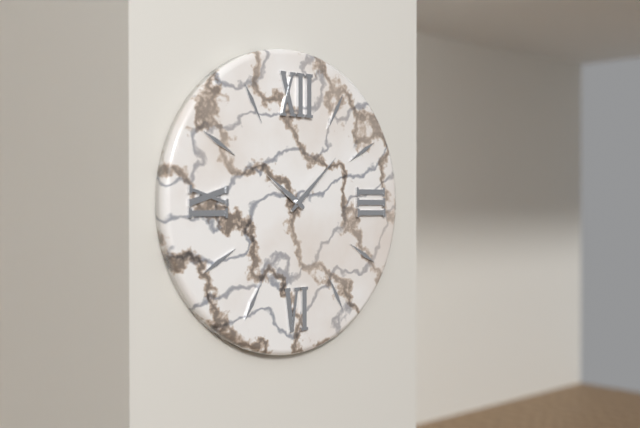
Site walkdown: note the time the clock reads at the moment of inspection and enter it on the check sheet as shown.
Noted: 10:08
